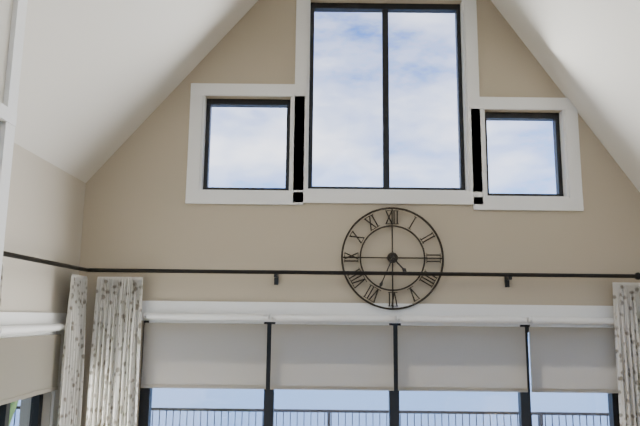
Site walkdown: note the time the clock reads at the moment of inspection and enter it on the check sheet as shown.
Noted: 4:34
